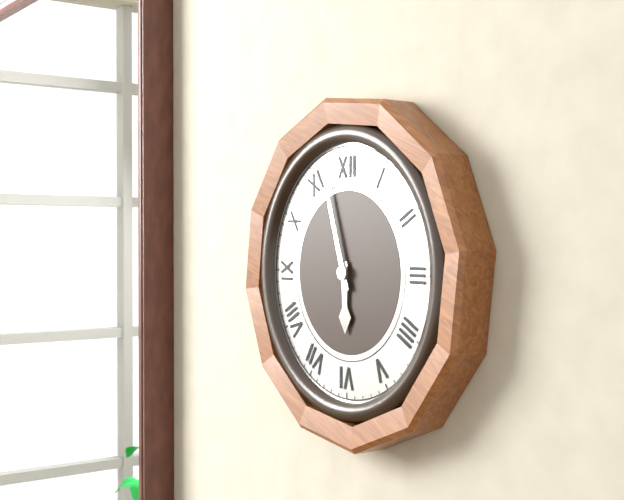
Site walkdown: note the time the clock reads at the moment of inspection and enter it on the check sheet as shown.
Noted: 5:57
